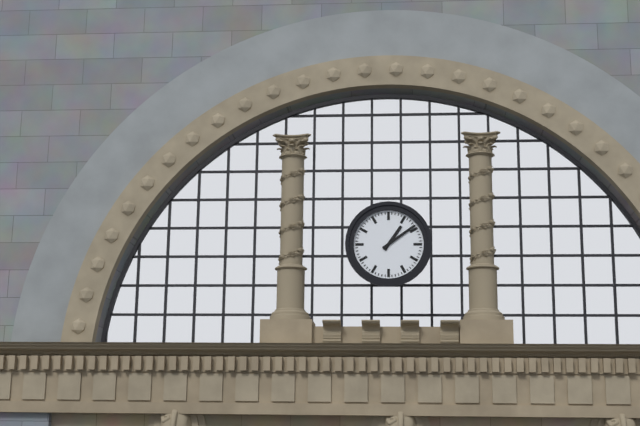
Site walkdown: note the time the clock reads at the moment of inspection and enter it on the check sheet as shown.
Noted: 1:09
